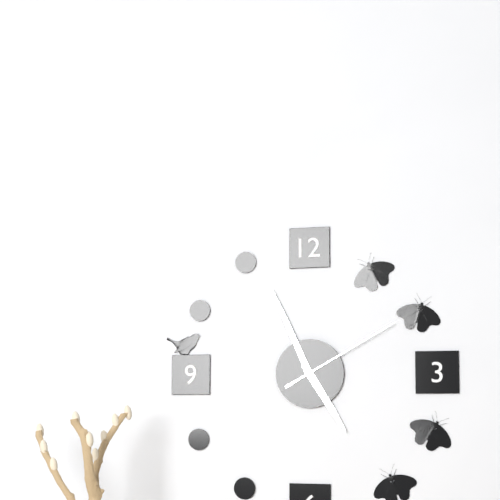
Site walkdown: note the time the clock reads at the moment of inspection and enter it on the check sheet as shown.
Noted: 4:56:10
